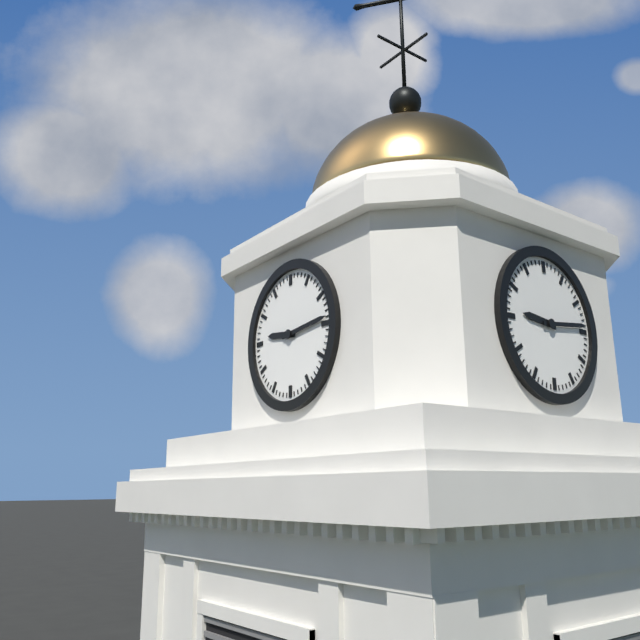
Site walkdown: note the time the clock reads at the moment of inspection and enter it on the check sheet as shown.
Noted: 9:14
